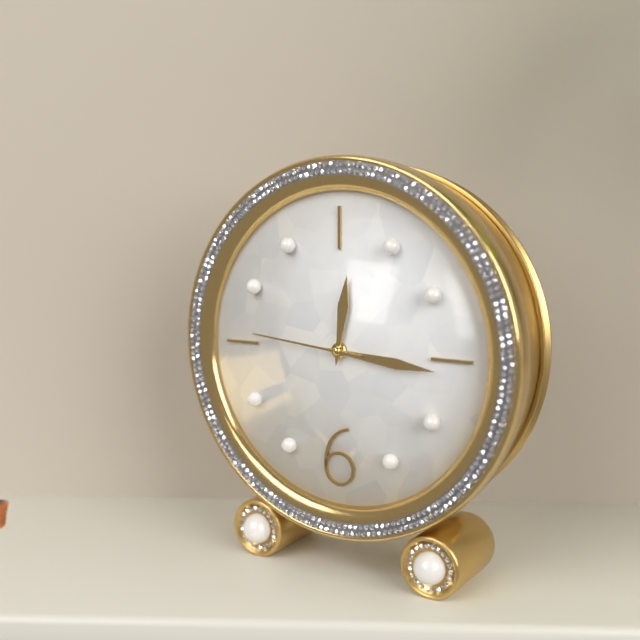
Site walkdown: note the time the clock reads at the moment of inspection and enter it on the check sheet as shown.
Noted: 12:16:46
